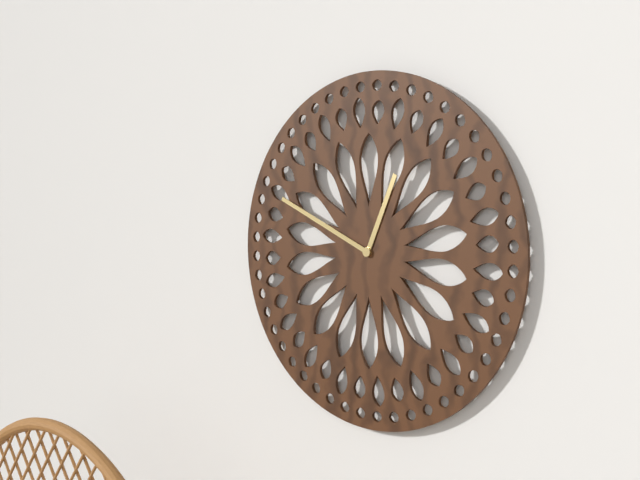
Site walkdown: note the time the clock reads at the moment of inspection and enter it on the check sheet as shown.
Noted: 12:49
